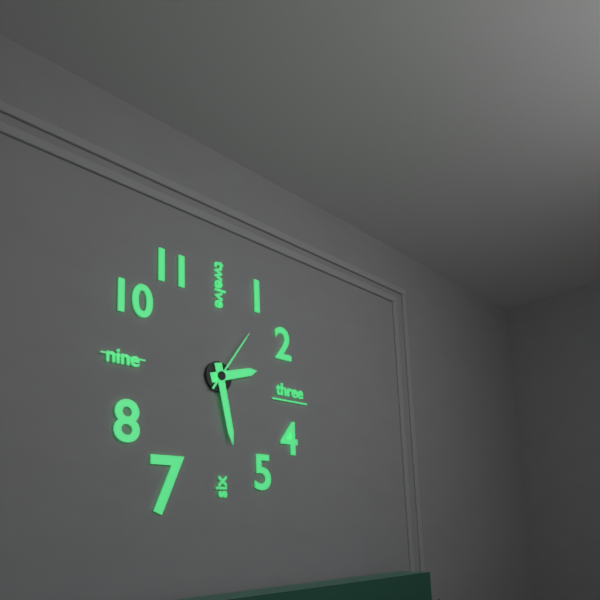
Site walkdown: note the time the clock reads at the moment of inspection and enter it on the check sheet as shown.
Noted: 2:28:06
